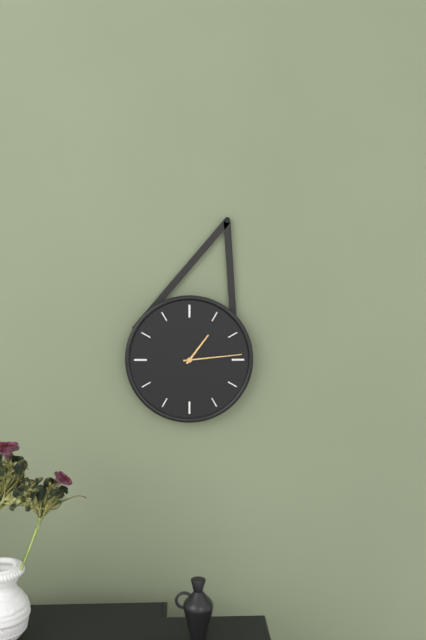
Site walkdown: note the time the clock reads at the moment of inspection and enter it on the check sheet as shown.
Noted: 1:14
